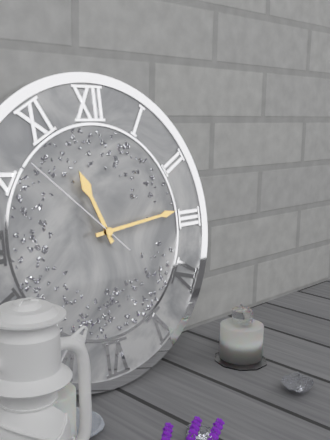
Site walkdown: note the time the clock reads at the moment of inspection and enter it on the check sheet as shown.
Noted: 11:14:52
